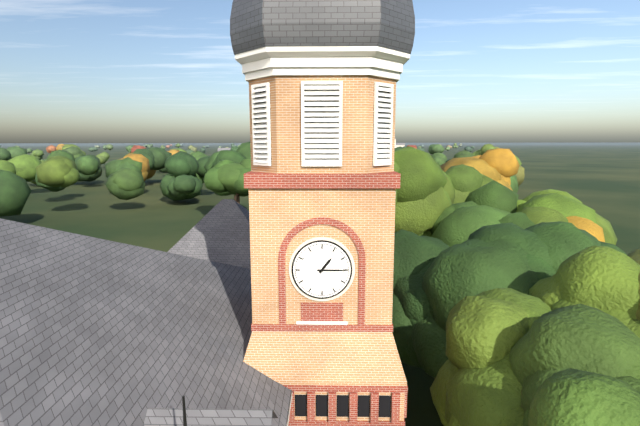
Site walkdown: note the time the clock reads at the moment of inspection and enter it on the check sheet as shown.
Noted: 1:15
